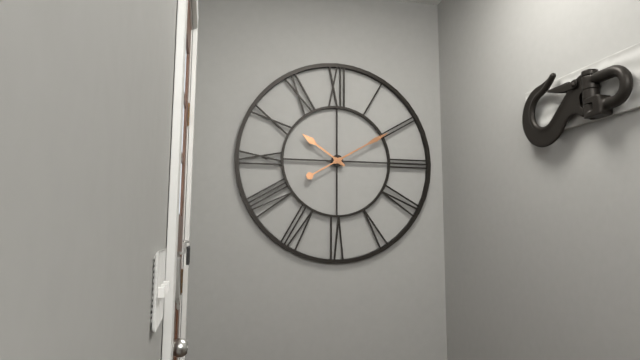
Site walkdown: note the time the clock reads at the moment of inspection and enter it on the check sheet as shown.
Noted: 10:10
